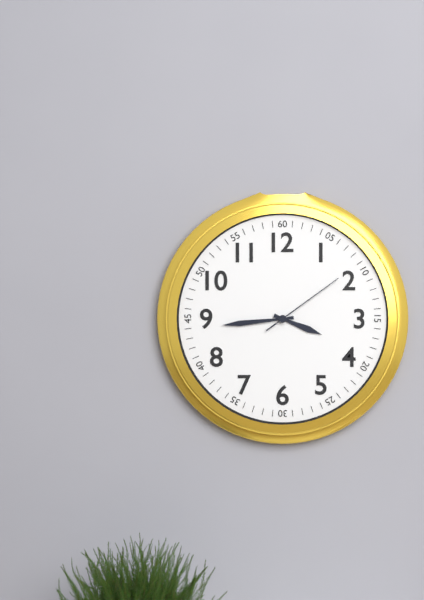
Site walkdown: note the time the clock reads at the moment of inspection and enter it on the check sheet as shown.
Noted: 3:44:09
